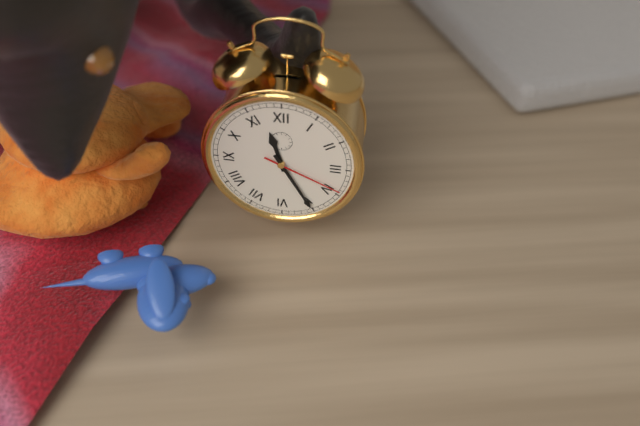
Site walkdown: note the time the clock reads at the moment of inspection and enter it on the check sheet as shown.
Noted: 11:25:19
